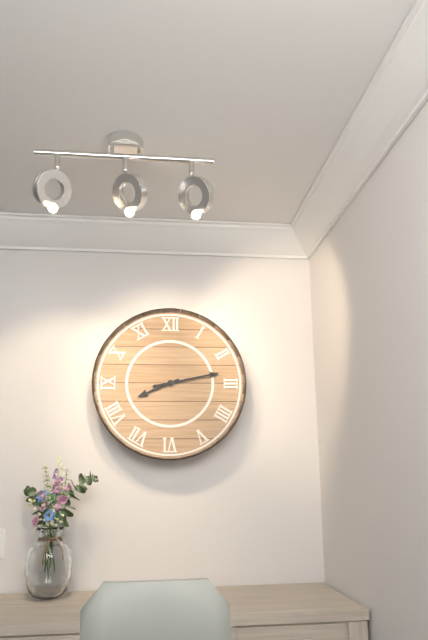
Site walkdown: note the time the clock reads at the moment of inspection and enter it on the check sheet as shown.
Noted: 8:13
